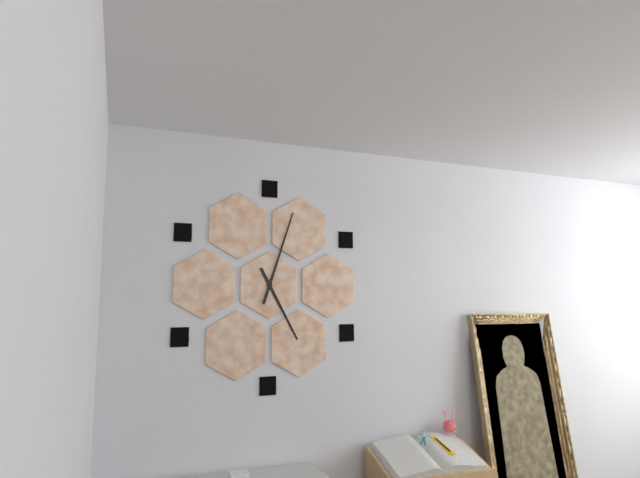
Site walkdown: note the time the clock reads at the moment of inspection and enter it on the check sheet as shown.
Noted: 5:03
